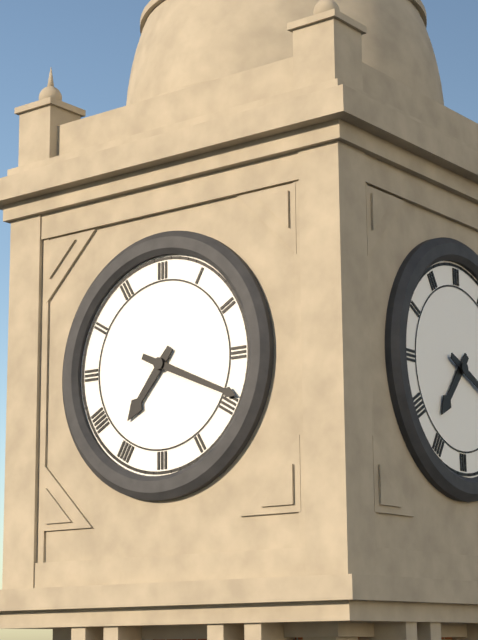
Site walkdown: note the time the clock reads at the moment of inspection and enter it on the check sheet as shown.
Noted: 7:19
